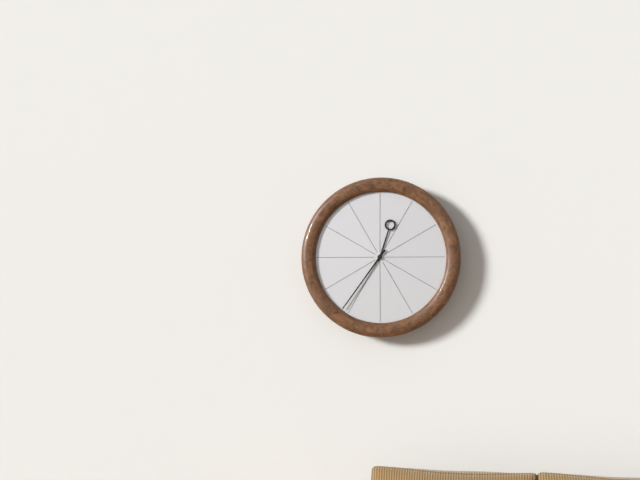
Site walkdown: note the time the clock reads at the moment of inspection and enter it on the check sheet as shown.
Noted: 12:36
